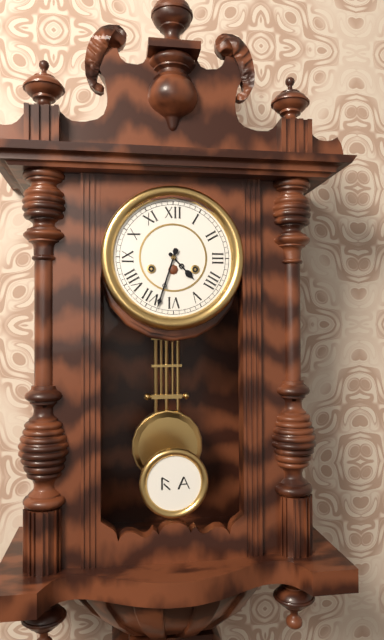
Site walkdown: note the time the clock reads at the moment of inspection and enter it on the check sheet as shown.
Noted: 4:33
